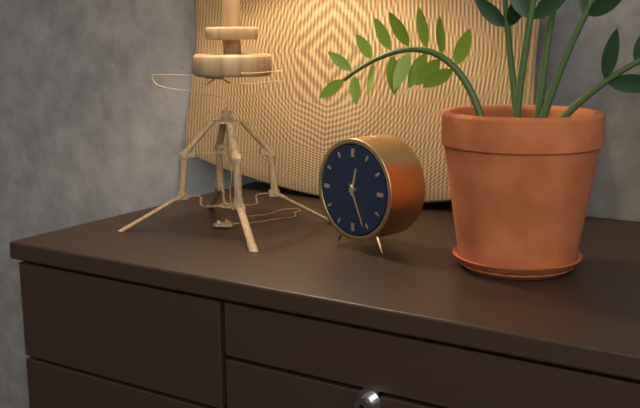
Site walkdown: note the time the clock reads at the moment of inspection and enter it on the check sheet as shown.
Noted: 12:26
